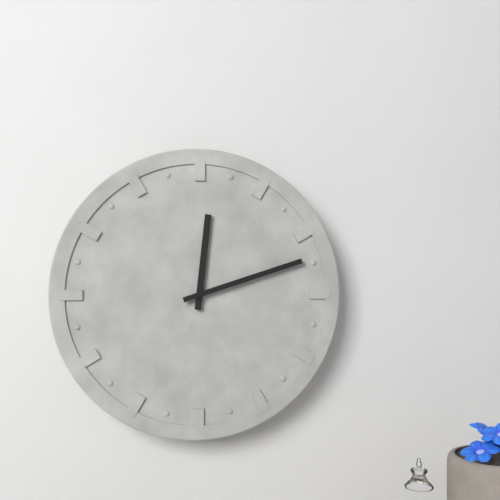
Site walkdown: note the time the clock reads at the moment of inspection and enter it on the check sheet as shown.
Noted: 12:12
